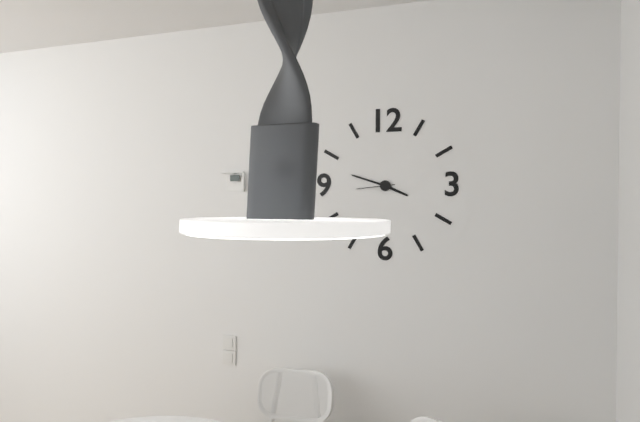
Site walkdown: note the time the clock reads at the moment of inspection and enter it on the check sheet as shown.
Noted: 3:48
